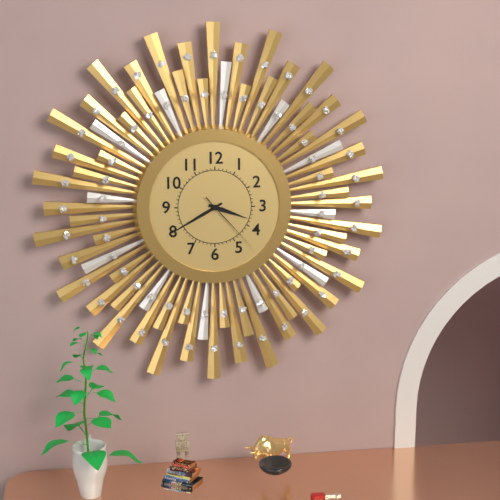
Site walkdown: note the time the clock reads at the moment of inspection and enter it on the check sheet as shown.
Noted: 3:40:23
